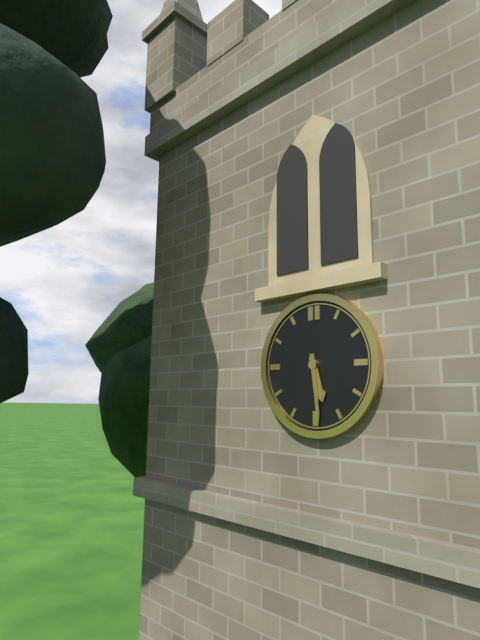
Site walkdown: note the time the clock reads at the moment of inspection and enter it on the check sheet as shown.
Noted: 5:29
